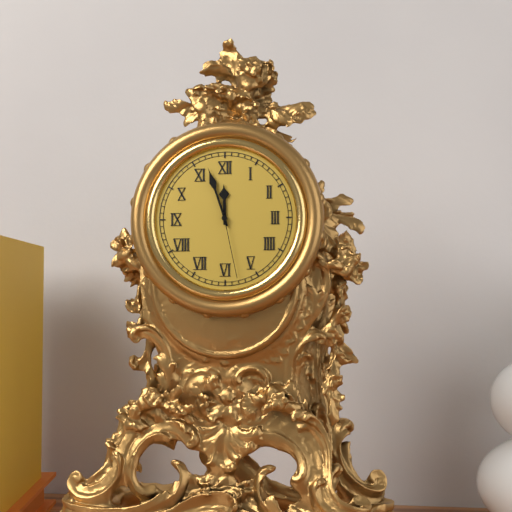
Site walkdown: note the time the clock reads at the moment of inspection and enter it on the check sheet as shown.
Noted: 11:57:28
